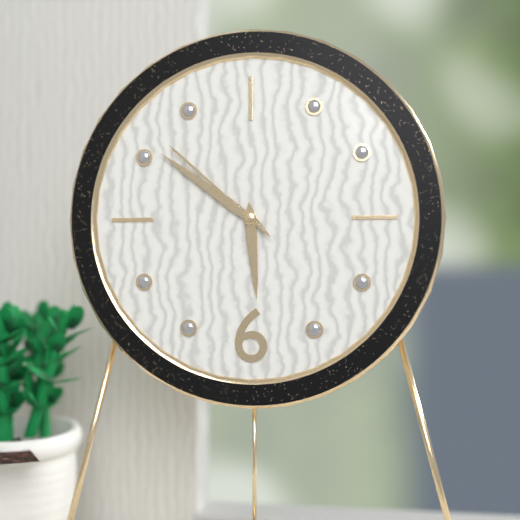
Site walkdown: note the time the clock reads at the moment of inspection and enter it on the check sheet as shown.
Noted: 5:51:52
